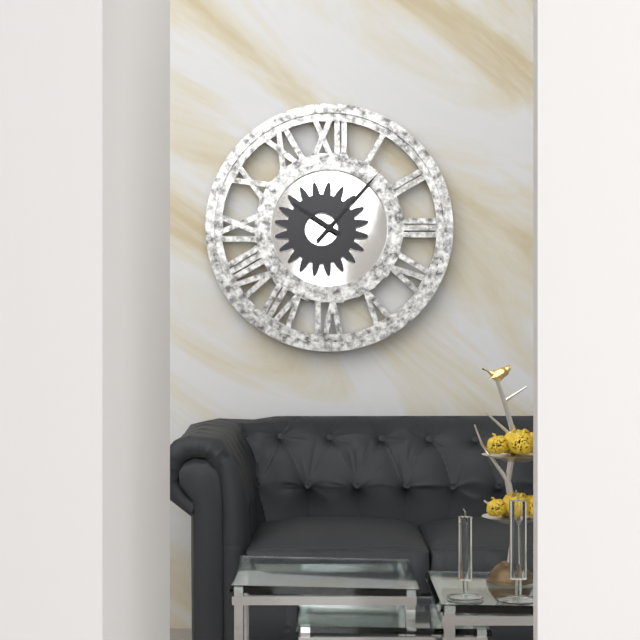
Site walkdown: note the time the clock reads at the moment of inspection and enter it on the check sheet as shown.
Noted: 10:07
